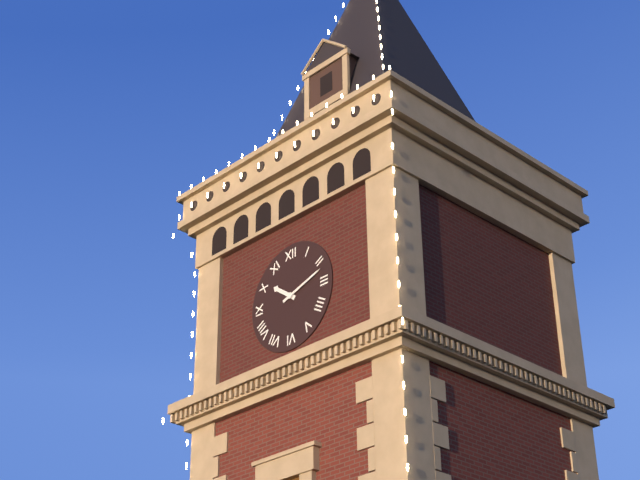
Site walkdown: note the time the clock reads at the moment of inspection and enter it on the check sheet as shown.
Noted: 10:12
